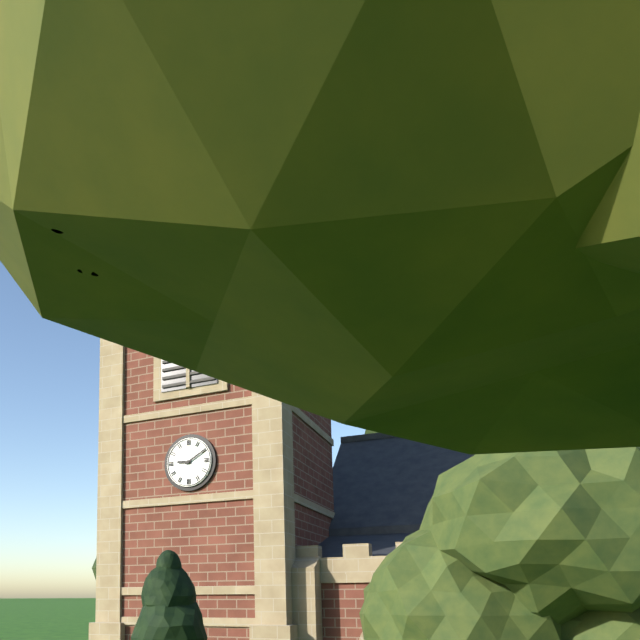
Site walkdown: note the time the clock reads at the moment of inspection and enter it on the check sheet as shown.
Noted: 9:10
